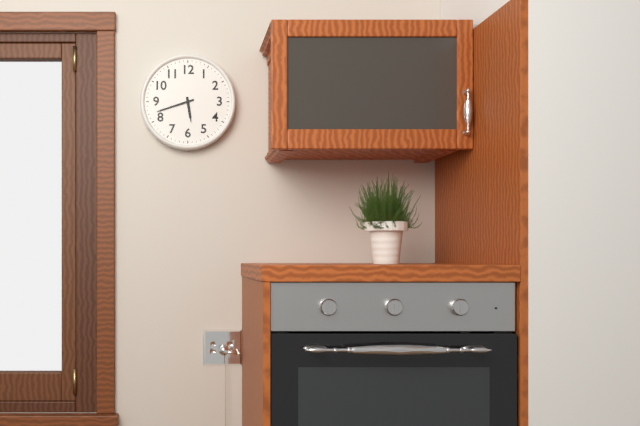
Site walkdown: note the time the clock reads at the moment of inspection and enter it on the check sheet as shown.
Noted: 5:42
